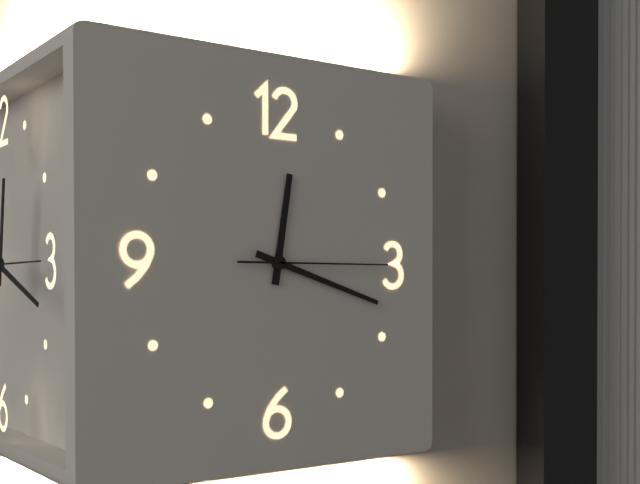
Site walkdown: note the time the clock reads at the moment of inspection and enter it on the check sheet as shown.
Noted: 12:18:15
